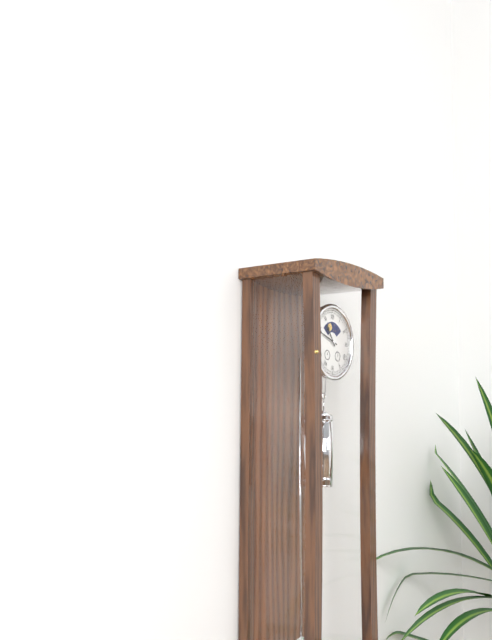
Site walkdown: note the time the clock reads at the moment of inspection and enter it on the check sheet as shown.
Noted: 10:48
